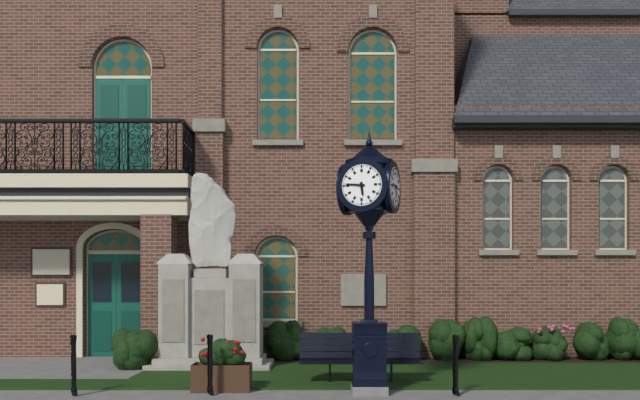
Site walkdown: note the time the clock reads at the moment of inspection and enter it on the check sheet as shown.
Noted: 5:46
